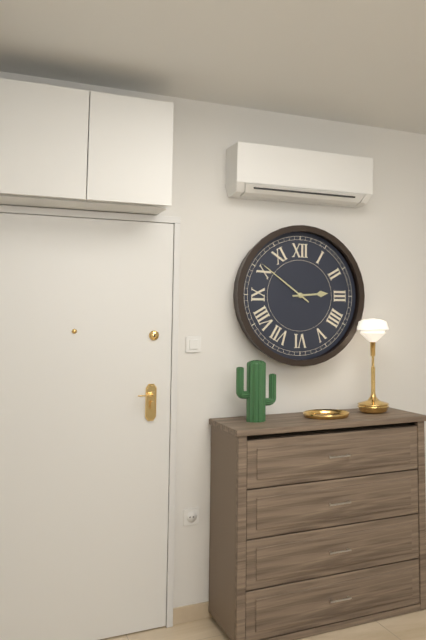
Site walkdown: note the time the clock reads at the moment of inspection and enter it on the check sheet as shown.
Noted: 2:51
